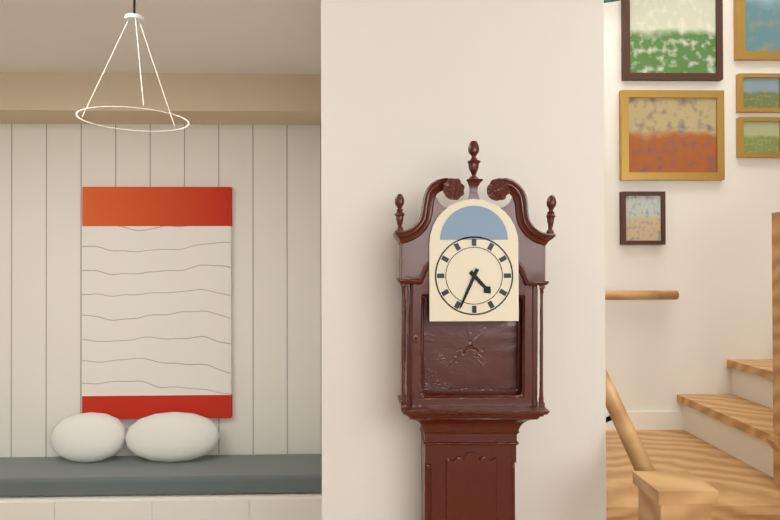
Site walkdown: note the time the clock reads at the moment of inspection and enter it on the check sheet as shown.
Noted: 4:34
